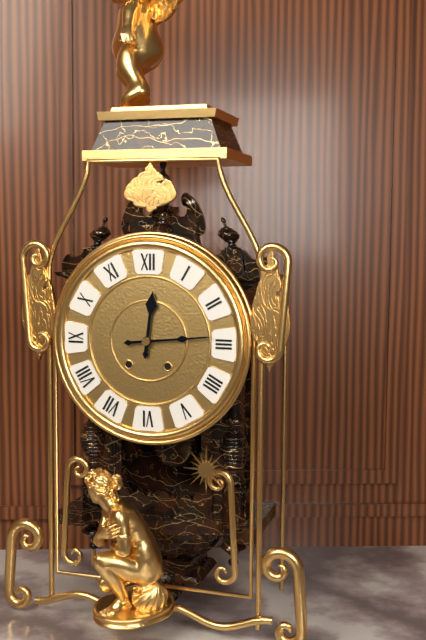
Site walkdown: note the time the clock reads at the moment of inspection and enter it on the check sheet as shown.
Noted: 12:14
